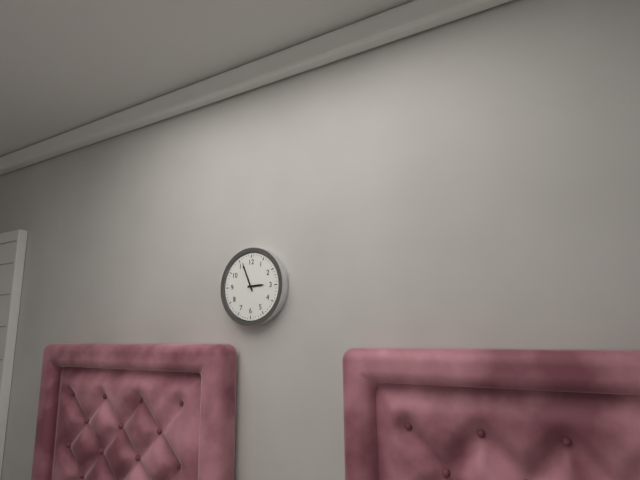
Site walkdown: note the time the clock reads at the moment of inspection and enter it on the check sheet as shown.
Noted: 2:56
